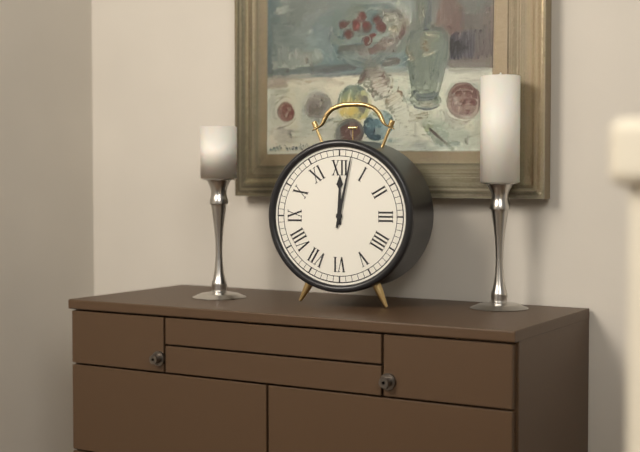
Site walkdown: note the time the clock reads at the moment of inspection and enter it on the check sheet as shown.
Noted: 12:02
